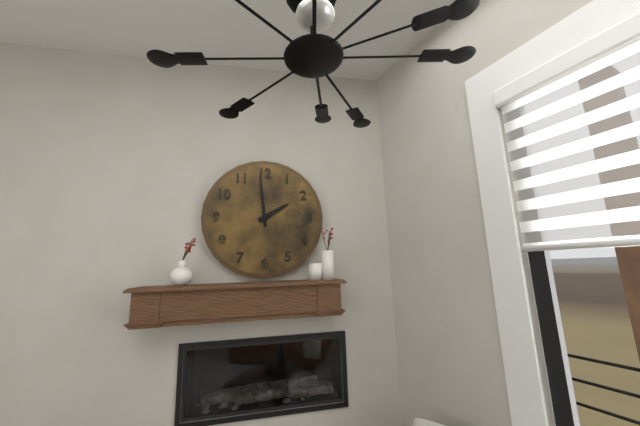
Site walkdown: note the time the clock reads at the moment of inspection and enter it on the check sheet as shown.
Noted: 1:59
